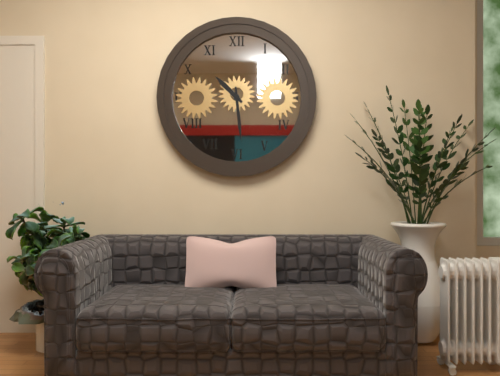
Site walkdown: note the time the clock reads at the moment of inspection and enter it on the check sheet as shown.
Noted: 10:29
